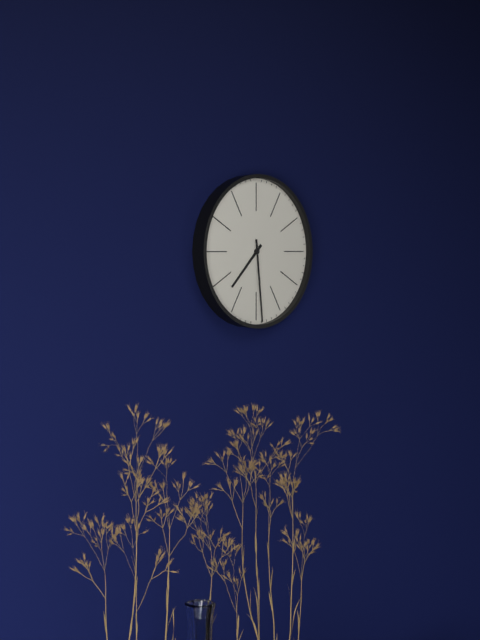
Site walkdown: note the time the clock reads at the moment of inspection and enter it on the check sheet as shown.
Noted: 7:29
